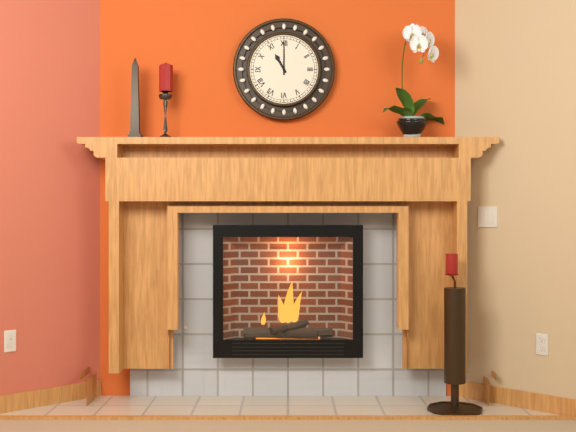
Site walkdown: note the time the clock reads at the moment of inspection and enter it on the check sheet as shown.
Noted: 11:00
